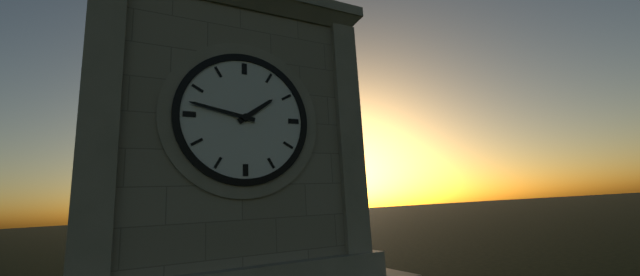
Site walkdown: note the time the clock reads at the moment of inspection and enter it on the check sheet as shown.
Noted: 1:47
